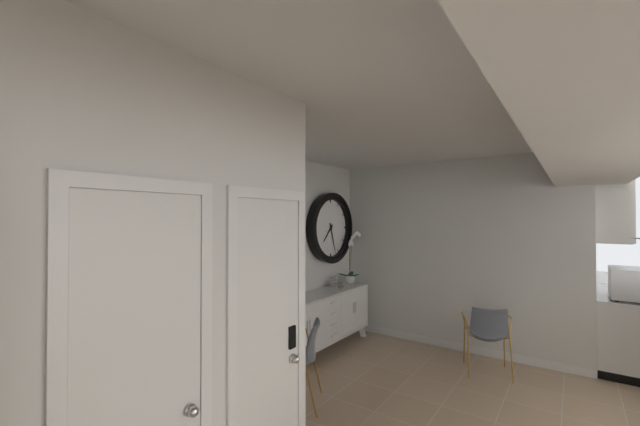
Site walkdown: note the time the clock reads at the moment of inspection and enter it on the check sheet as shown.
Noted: 7:27
